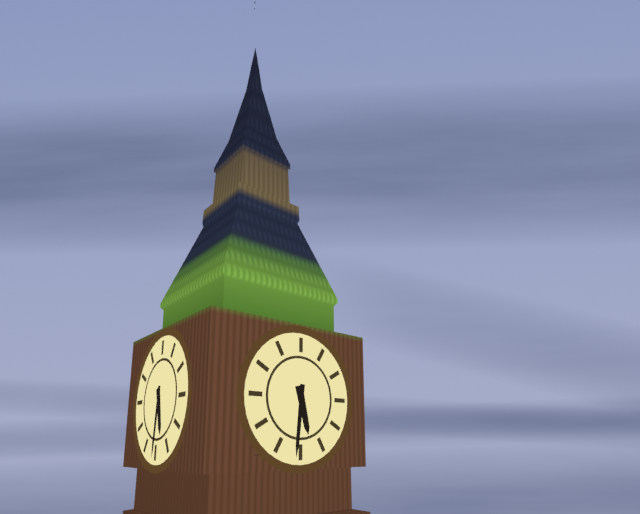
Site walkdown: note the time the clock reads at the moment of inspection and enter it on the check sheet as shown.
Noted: 5:31
